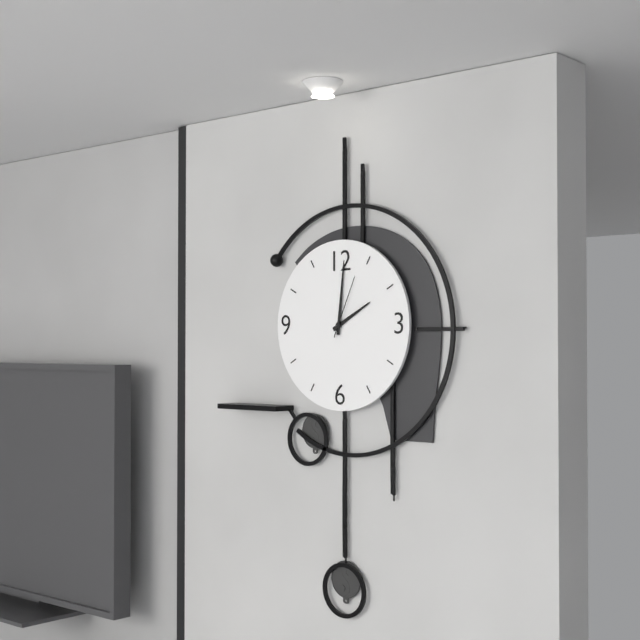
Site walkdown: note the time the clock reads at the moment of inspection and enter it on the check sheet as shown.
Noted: 2:01:04
